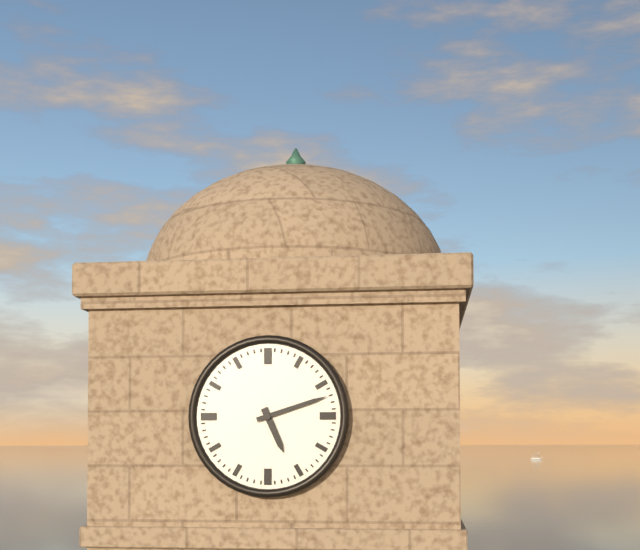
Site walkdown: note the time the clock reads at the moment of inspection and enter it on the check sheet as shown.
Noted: 5:12
